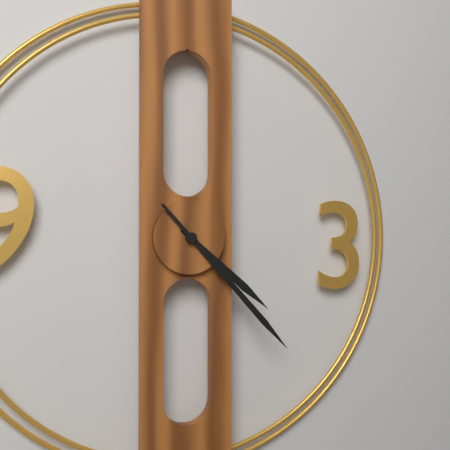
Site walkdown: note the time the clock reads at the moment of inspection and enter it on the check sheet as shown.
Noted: 4:23
